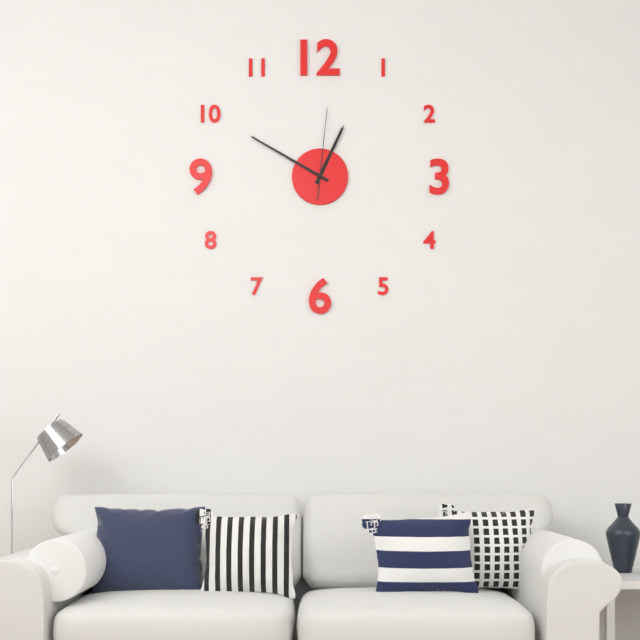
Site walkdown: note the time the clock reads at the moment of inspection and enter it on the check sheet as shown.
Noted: 12:50:01
